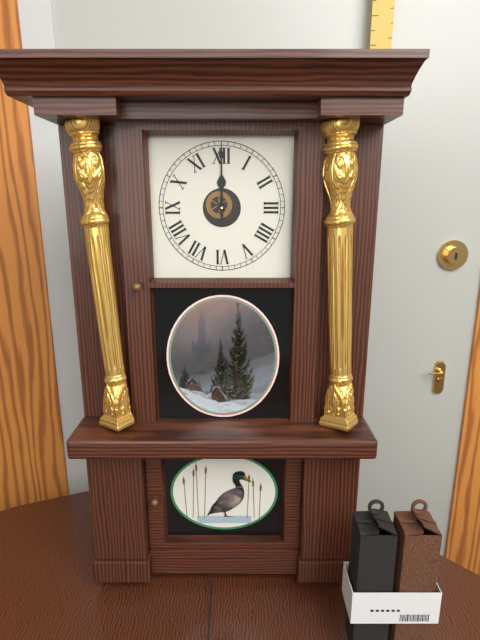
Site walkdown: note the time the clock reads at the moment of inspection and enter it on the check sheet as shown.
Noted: 12:00
